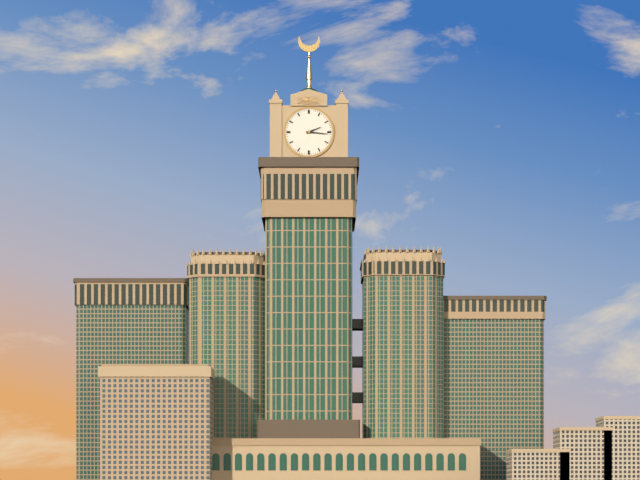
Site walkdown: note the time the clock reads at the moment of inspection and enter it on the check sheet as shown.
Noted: 2:16
